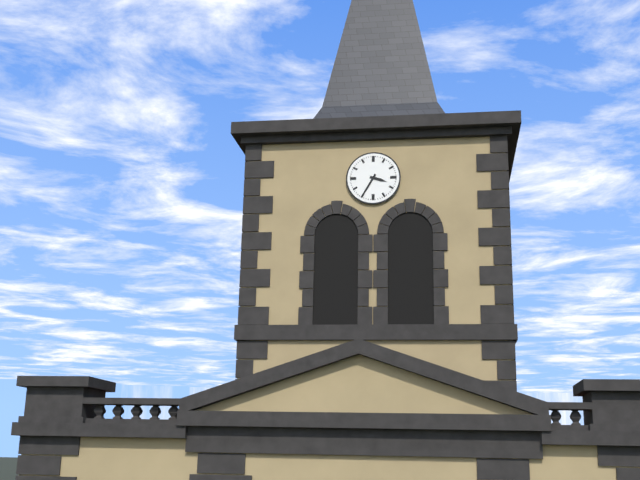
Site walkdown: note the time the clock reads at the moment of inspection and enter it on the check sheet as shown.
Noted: 3:35
